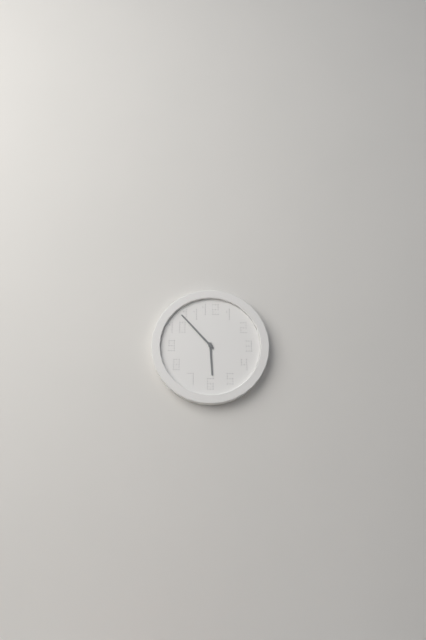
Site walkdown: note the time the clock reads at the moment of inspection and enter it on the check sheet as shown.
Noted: 5:53
